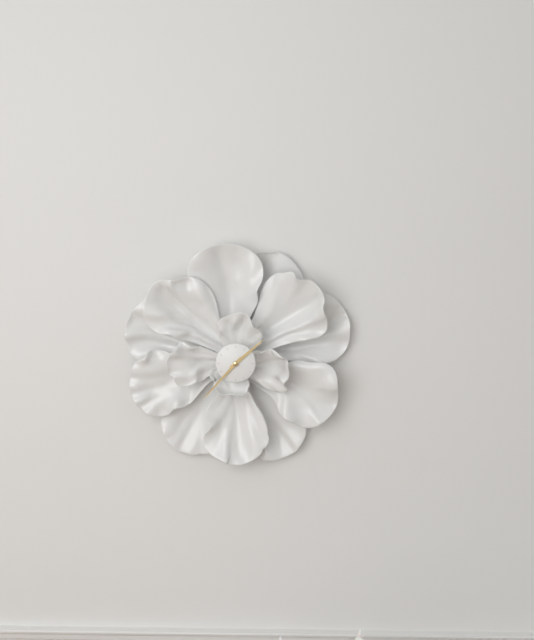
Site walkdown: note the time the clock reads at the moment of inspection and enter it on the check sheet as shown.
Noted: 1:37
